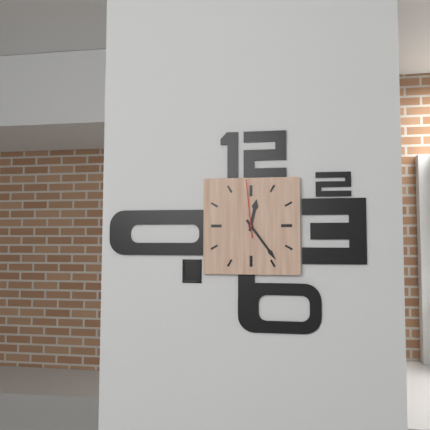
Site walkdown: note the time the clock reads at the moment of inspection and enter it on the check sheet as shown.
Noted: 12:24:59
